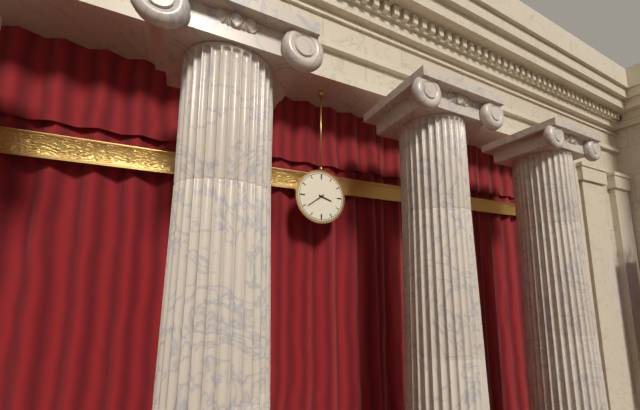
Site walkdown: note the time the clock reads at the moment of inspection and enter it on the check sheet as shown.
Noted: 3:39
